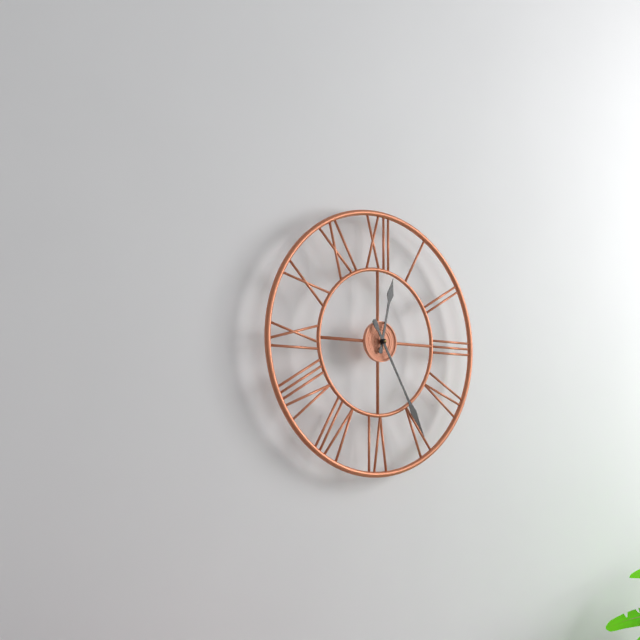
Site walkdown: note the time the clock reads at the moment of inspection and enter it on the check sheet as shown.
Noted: 12:25
